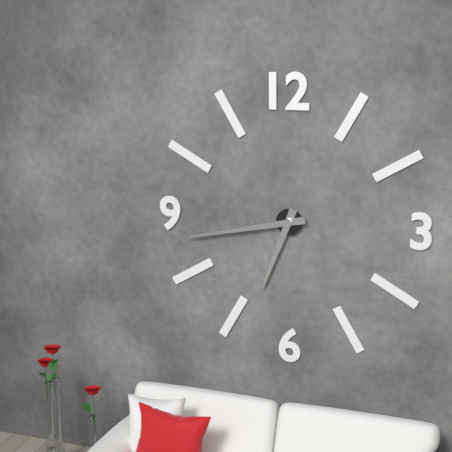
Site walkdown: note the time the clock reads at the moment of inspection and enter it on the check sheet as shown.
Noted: 6:43
